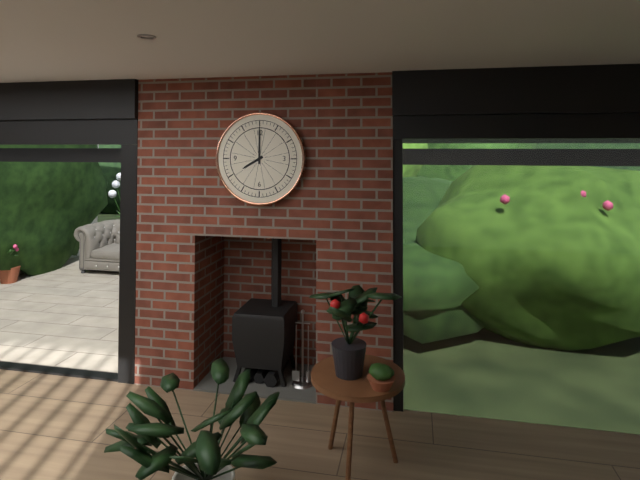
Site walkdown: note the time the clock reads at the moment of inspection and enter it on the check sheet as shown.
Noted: 8:00
